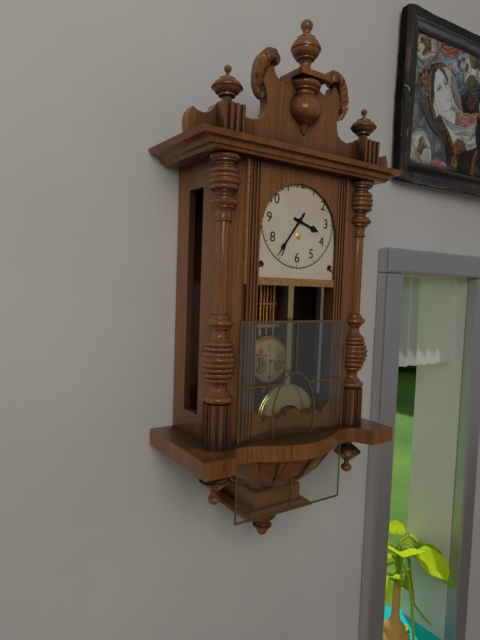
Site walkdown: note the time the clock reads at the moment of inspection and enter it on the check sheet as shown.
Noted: 3:36
